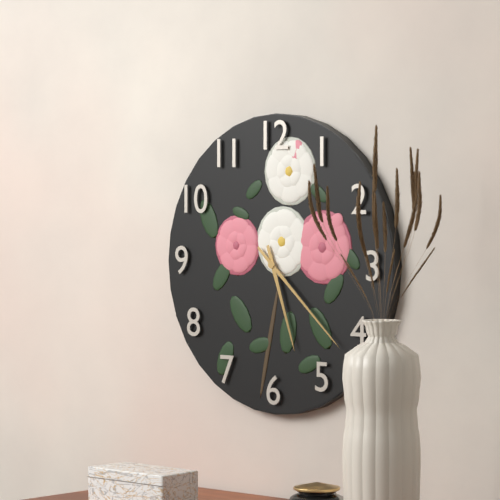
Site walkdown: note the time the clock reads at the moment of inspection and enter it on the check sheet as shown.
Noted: 5:22
